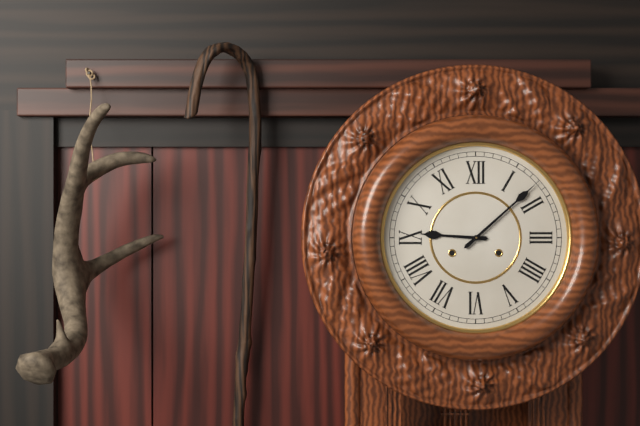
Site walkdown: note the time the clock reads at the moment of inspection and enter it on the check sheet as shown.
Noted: 9:08
